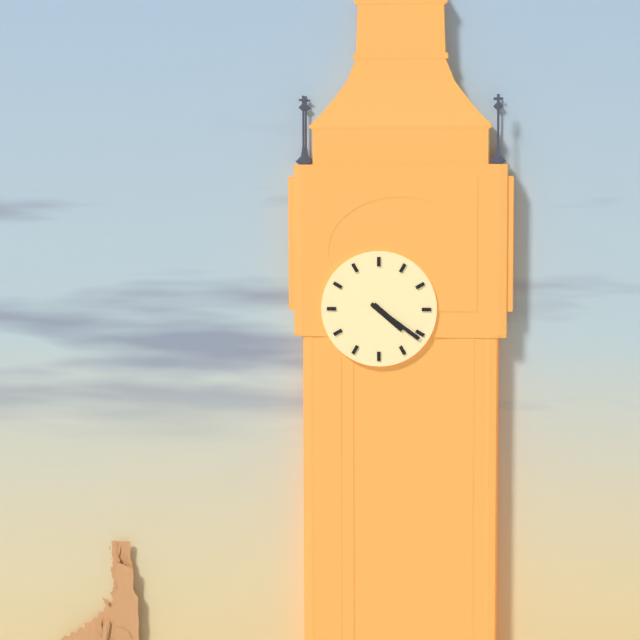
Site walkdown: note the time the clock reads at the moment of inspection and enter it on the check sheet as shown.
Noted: 4:21
